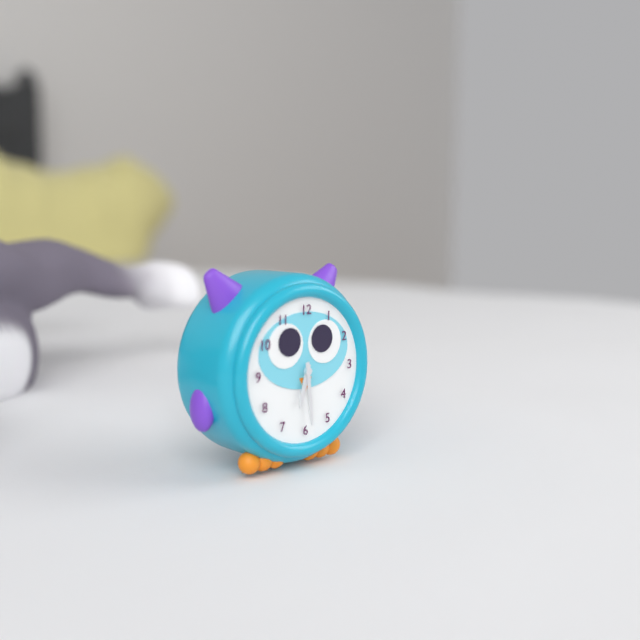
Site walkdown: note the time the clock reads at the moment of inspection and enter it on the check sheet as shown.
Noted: 6:29
